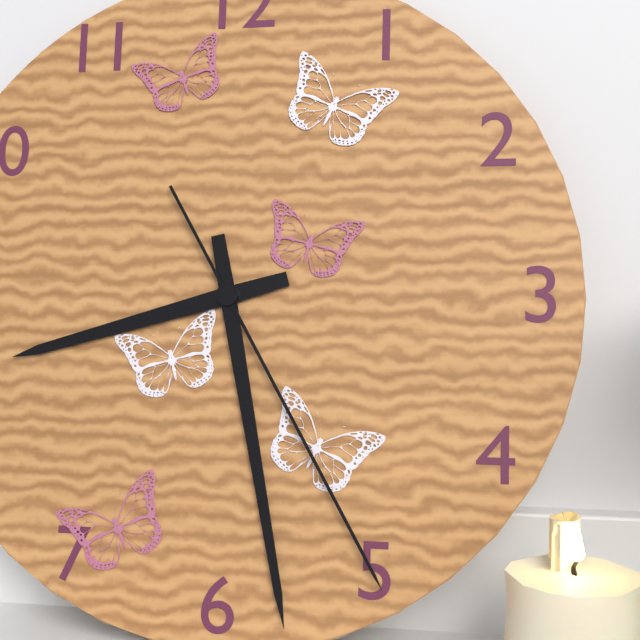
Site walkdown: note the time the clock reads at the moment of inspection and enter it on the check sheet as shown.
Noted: 8:28:25
